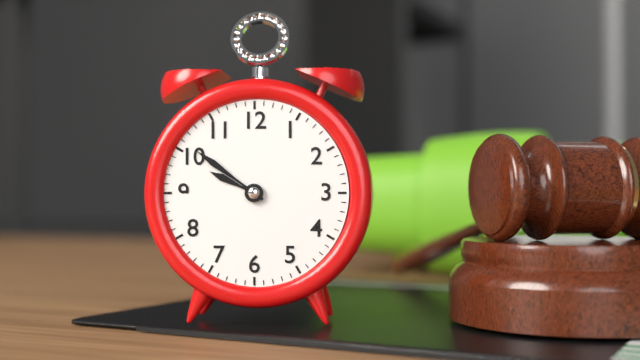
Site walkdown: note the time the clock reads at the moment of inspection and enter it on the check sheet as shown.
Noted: 9:51
